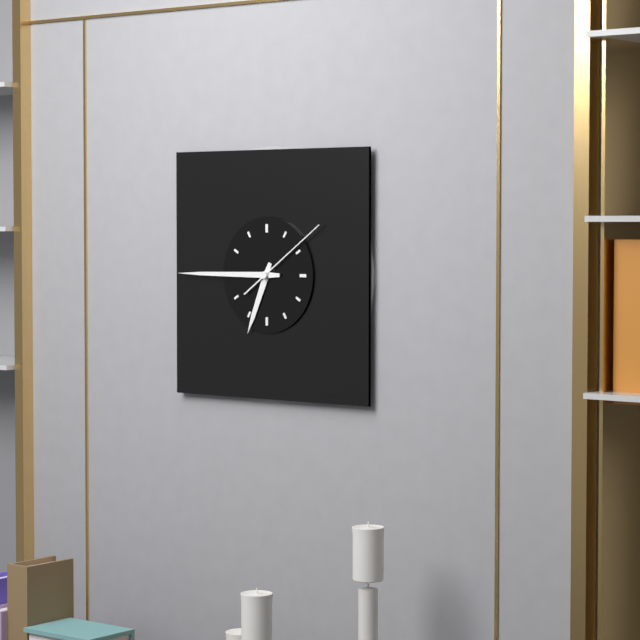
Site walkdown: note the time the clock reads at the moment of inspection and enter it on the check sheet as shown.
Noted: 6:45:09
